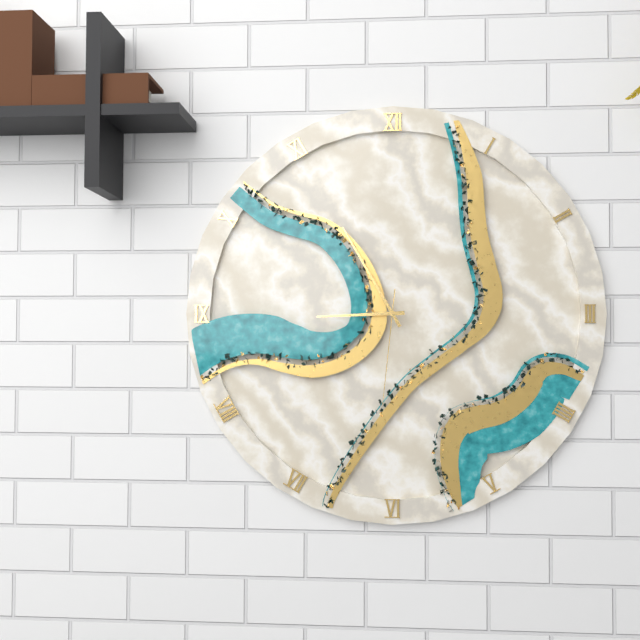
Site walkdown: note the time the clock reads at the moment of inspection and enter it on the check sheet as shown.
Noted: 8:55:31
